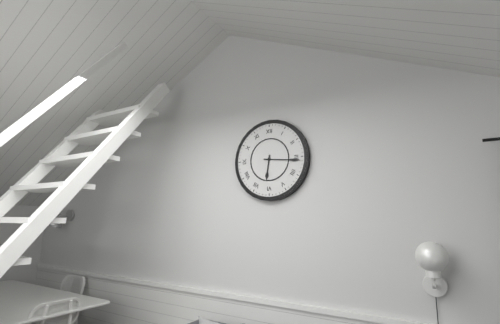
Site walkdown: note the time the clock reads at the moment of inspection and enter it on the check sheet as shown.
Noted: 6:16
